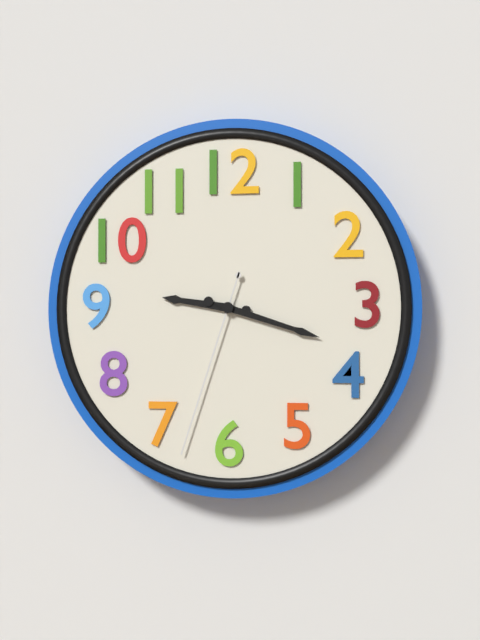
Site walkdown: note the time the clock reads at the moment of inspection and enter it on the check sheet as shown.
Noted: 9:18:33
